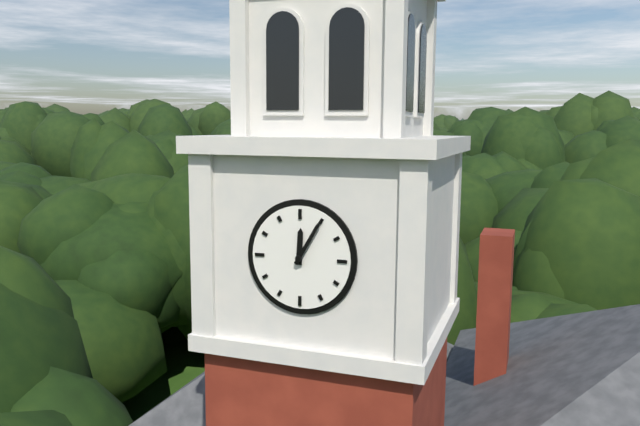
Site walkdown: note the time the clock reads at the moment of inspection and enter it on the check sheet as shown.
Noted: 12:05
